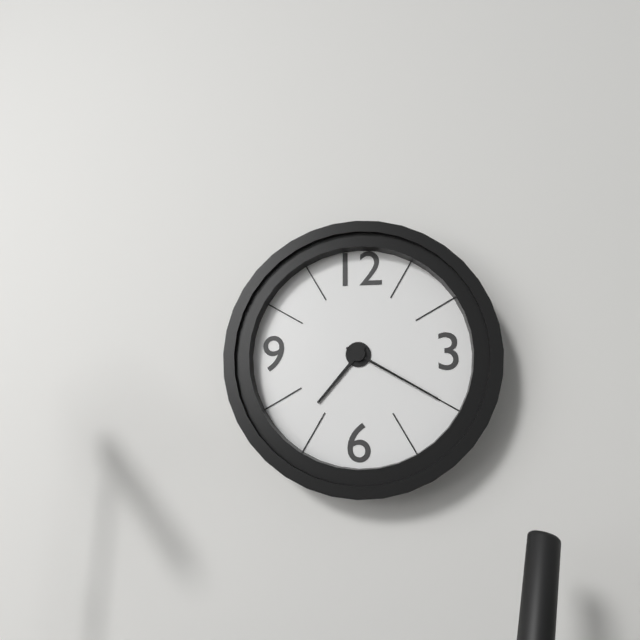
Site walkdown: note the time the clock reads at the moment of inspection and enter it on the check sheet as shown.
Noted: 7:20
